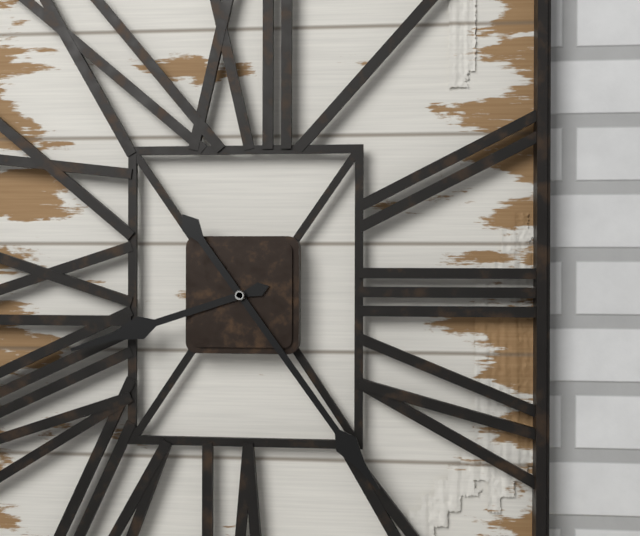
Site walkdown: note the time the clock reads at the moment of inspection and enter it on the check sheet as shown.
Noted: 8:24
